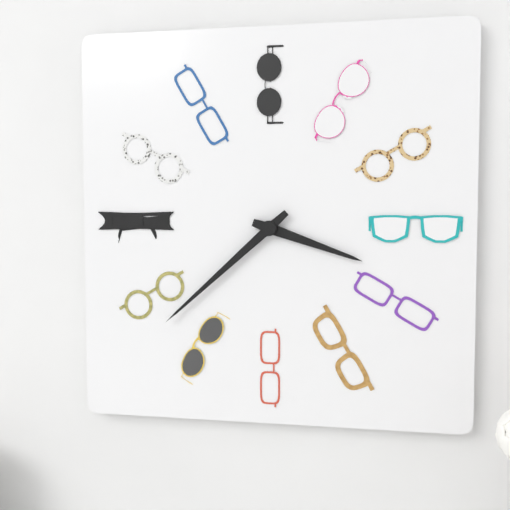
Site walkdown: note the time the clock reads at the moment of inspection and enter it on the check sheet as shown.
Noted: 3:38
